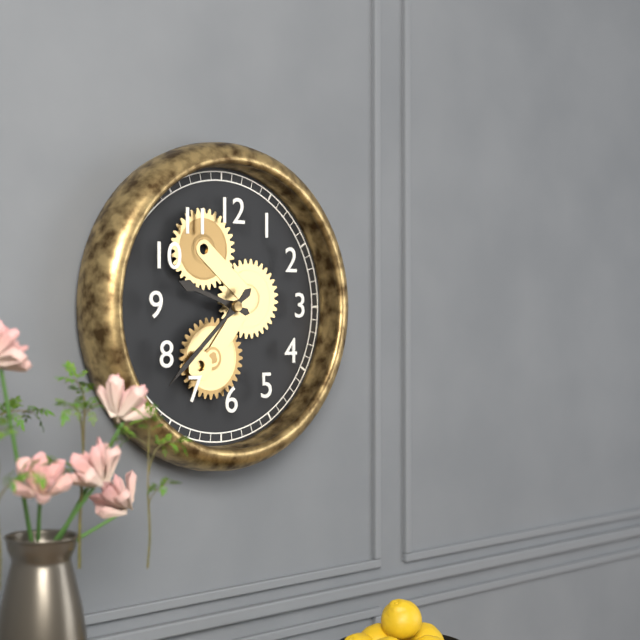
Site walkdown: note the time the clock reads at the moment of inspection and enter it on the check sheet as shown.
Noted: 9:38
